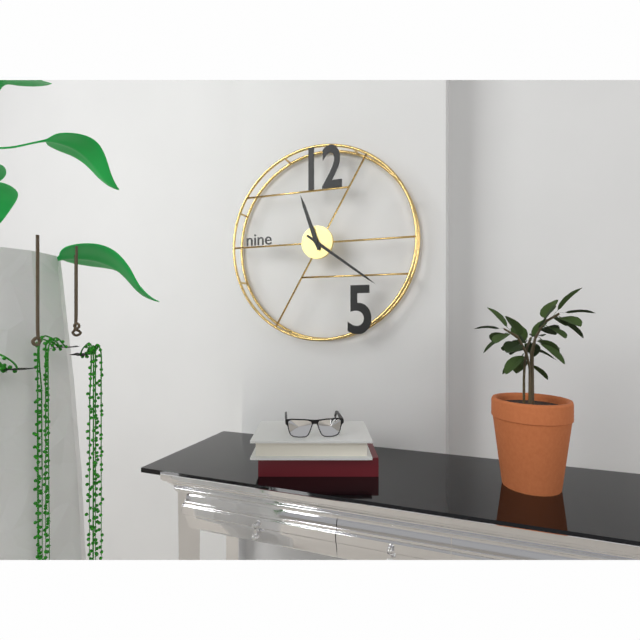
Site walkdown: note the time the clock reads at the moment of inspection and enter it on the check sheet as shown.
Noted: 11:21
